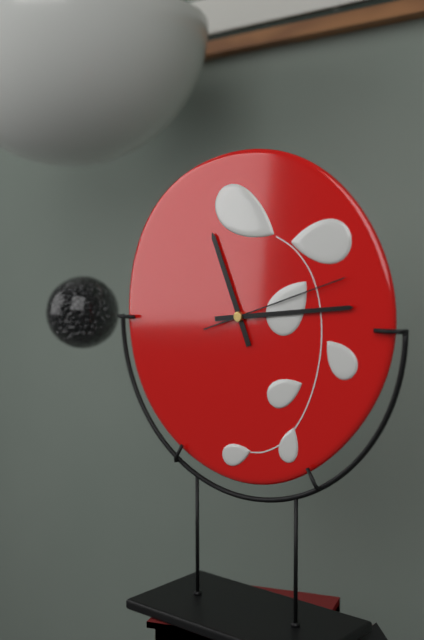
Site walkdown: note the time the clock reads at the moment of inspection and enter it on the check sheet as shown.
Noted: 11:14:12
